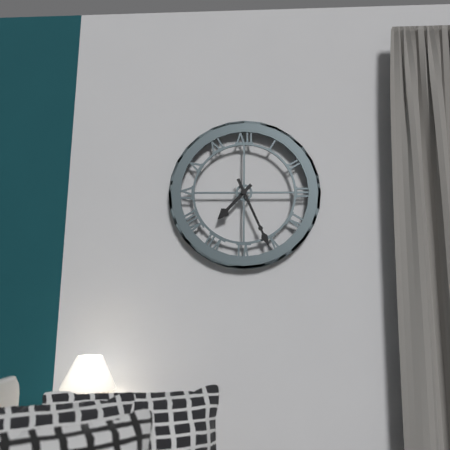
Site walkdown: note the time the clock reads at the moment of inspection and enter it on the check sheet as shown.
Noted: 7:26
